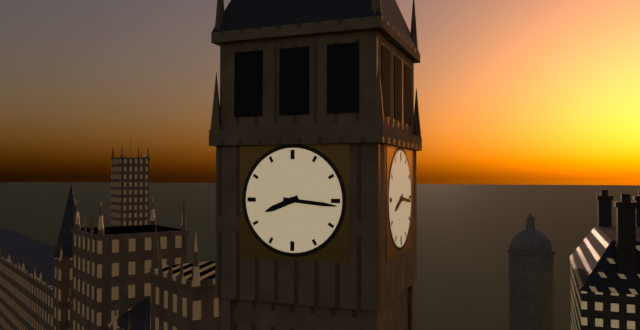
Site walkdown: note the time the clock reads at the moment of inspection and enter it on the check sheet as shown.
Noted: 8:16
